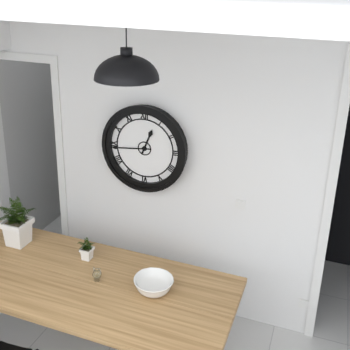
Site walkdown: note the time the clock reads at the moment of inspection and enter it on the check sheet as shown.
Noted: 12:44
